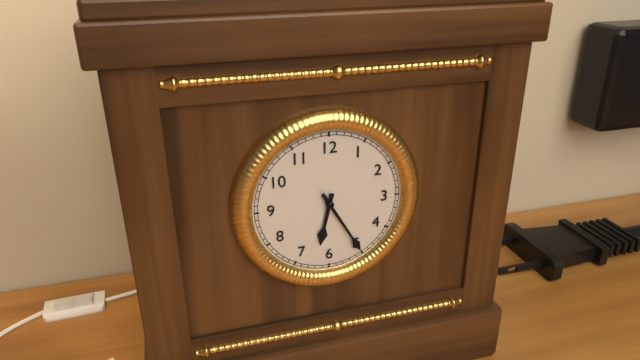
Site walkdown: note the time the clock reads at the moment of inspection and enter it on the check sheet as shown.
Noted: 6:25
